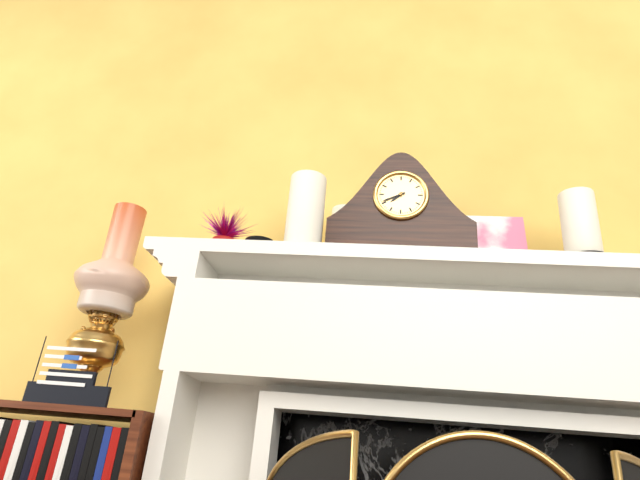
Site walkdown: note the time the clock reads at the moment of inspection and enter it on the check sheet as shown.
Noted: 7:41
